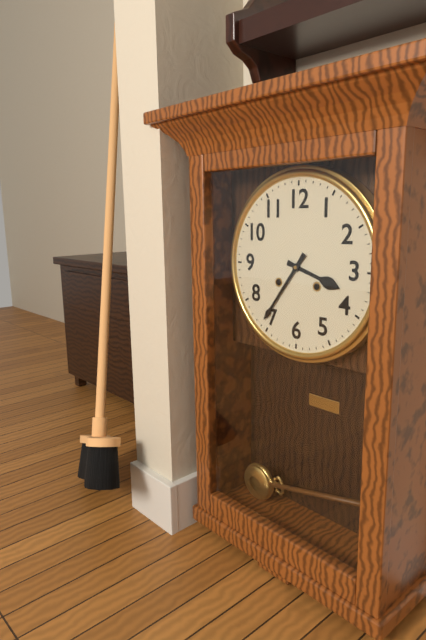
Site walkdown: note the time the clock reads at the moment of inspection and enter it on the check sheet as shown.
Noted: 3:36
